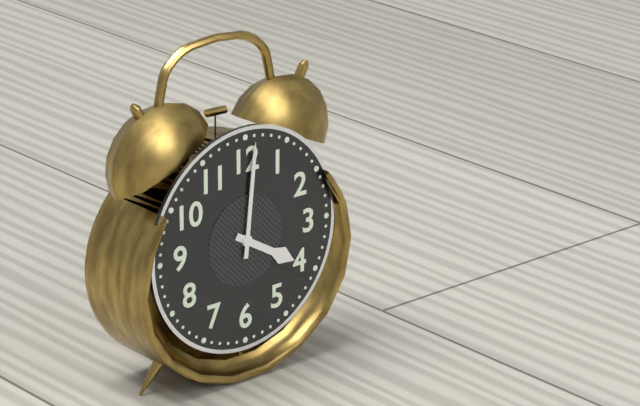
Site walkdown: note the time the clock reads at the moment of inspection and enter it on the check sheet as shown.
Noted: 4:01
